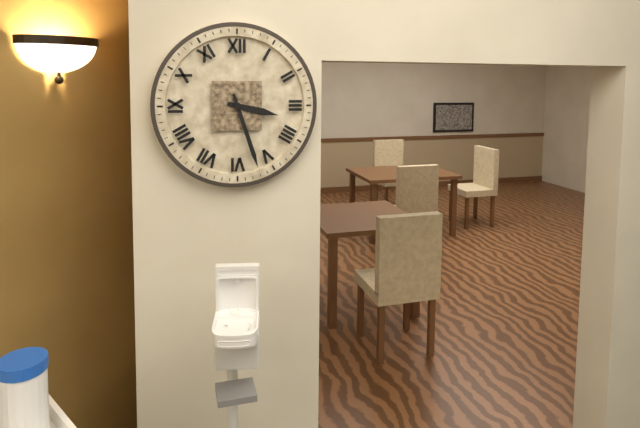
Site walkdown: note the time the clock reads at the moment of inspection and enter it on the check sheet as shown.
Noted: 3:27
